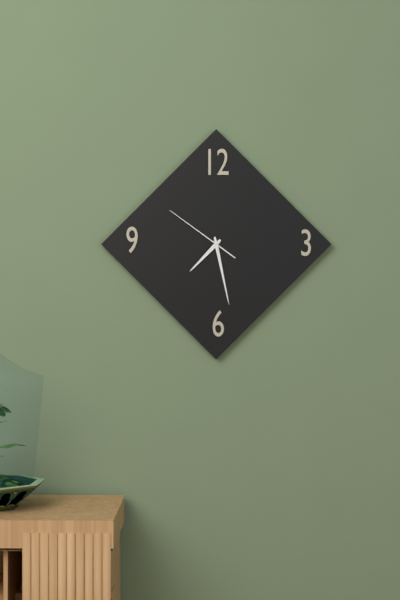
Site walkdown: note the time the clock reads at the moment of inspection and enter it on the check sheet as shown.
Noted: 7:28:51
